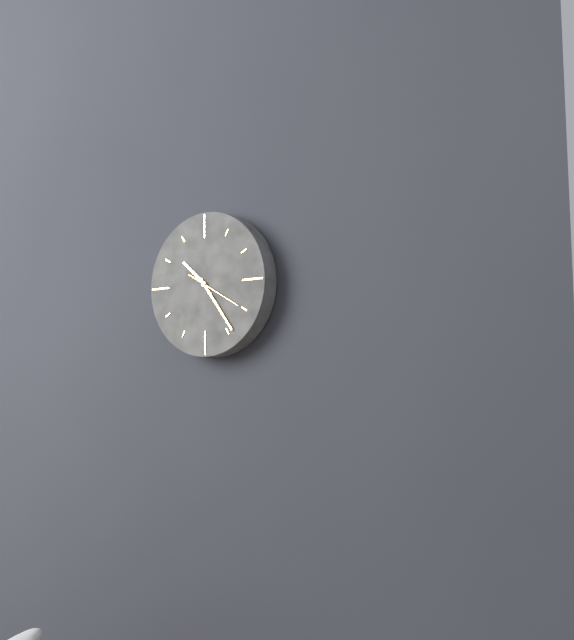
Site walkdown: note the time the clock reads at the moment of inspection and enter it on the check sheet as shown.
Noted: 10:24
